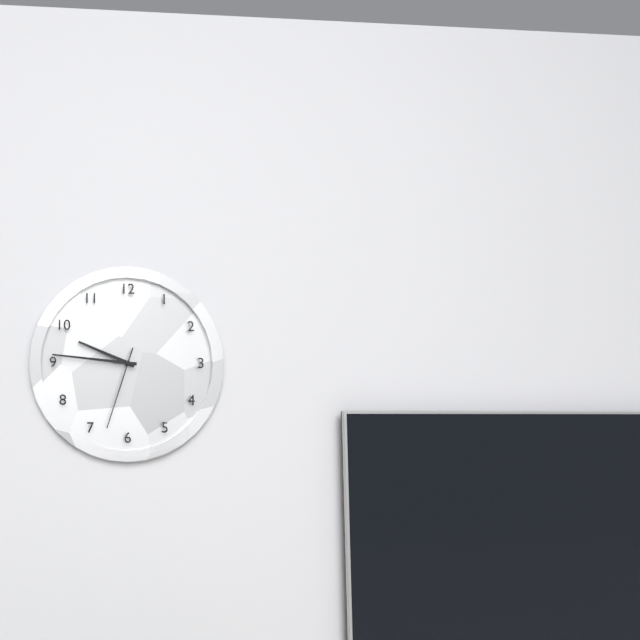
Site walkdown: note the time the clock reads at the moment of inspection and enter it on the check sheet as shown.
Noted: 9:46:33
